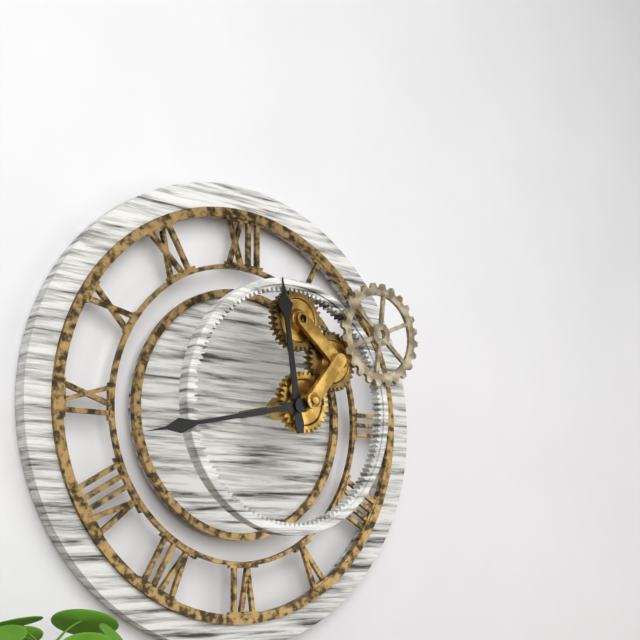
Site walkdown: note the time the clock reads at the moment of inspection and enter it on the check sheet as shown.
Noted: 11:43
